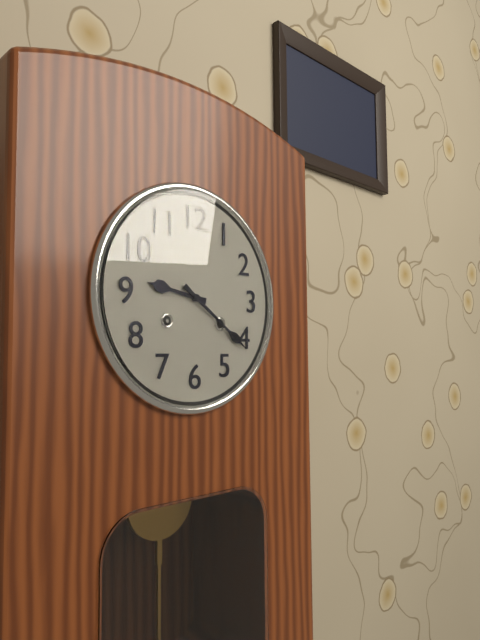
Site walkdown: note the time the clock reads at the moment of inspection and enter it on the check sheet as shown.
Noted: 9:21
